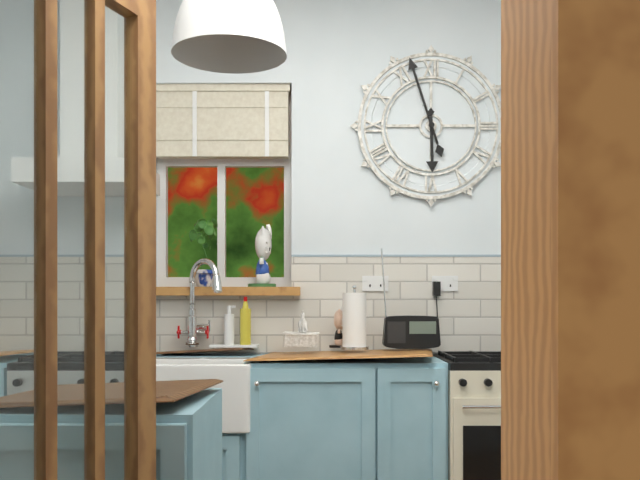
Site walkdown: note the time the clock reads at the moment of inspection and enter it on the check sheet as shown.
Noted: 5:57
